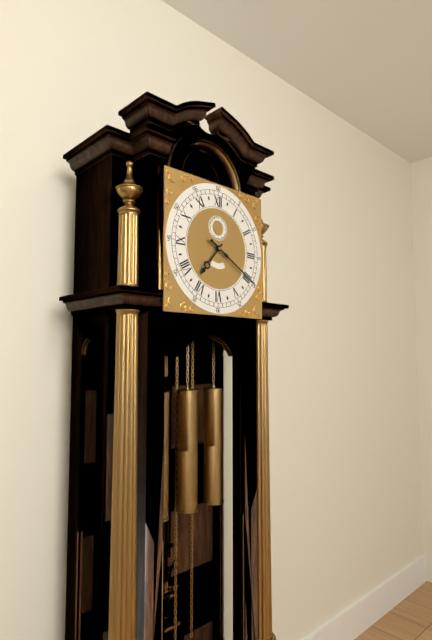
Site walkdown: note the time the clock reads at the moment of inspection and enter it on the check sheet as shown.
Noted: 7:20
